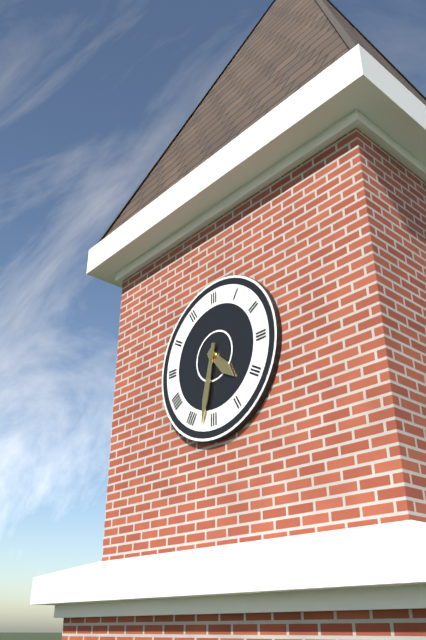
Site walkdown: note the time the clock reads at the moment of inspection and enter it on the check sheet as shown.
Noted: 4:32
